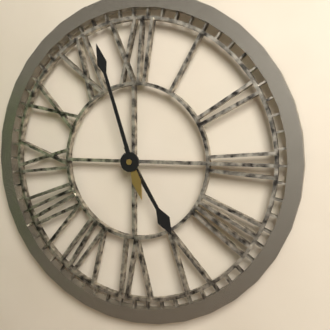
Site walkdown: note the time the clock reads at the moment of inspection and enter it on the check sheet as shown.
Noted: 4:57
